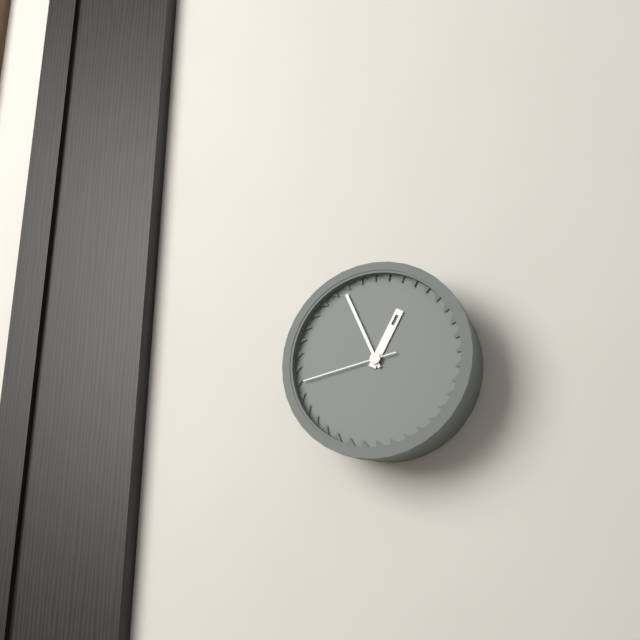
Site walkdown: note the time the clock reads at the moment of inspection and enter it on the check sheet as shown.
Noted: 12:56:43
